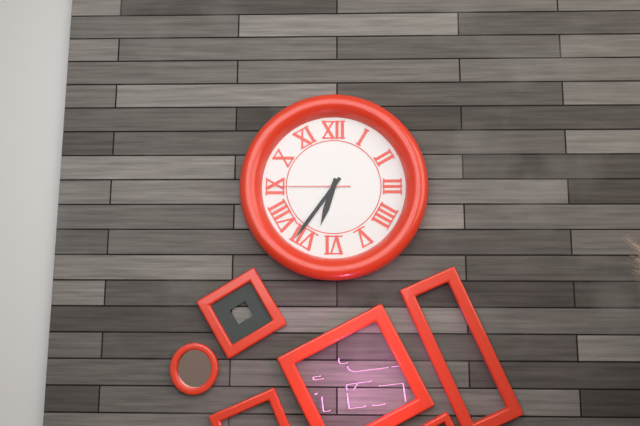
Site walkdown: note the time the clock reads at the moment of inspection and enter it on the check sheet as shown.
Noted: 6:36:45
